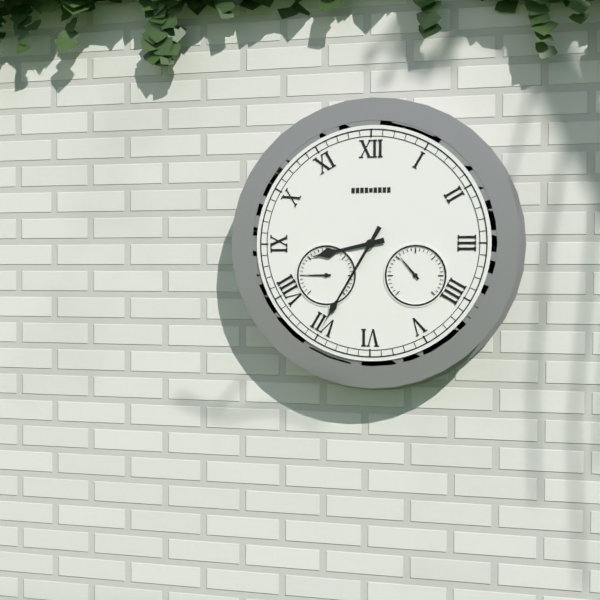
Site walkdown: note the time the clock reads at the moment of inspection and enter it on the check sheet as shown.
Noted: 8:35
